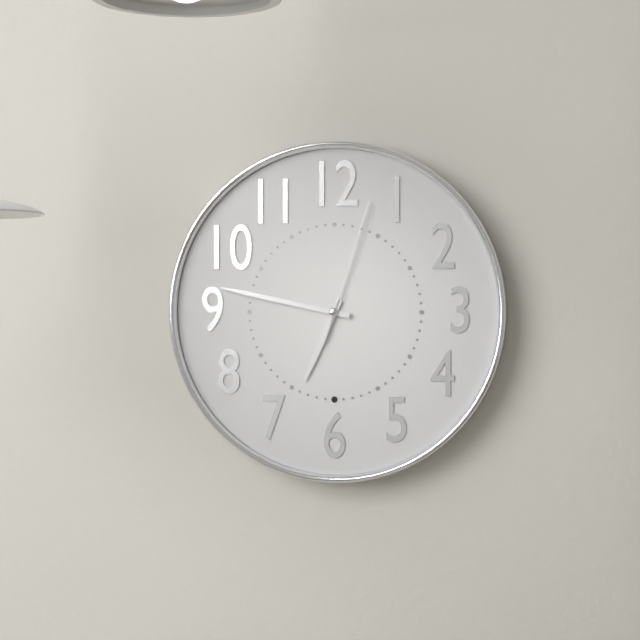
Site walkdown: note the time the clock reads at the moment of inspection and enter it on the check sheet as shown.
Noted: 6:47:03
